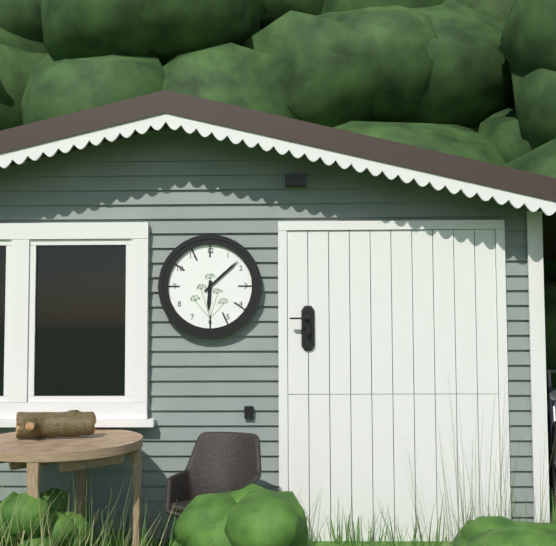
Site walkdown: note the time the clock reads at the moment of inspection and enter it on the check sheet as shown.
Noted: 6:08
